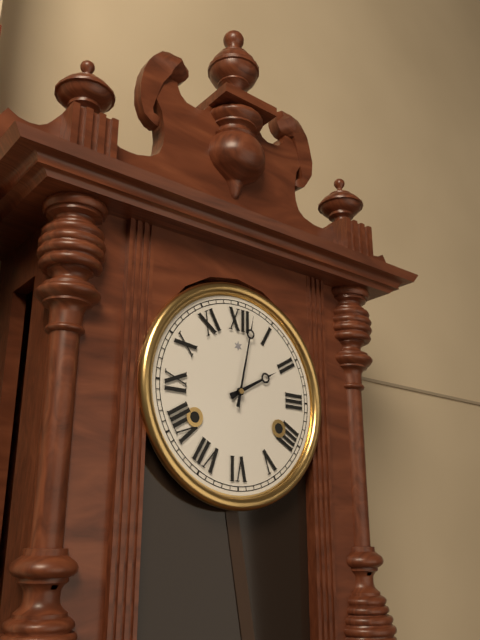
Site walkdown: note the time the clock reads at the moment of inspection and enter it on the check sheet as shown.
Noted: 2:02
